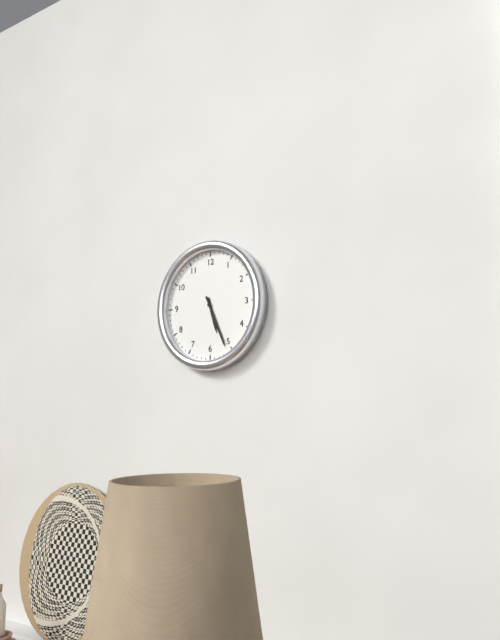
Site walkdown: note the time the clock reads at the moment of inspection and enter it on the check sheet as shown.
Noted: 5:26
